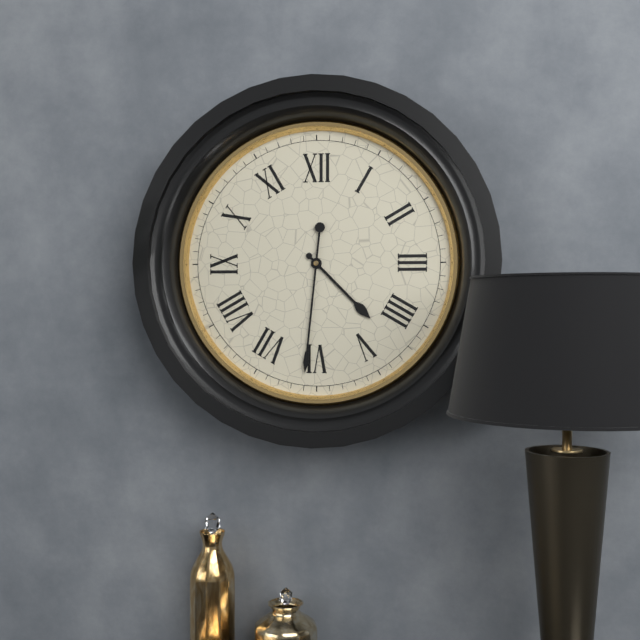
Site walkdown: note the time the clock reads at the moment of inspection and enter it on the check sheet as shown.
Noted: 4:31
